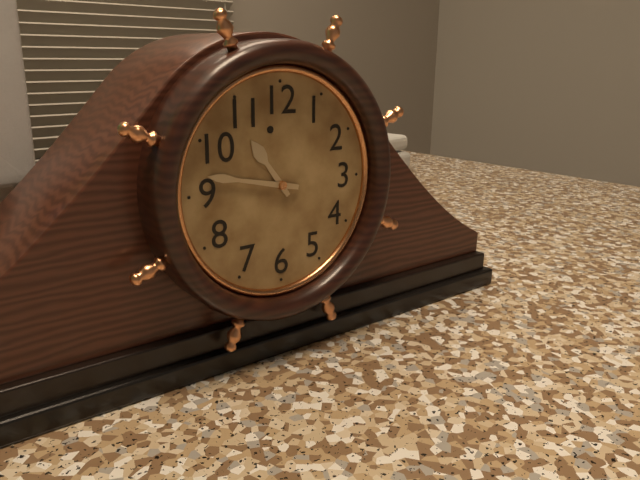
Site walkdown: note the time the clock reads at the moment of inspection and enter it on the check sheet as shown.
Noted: 10:47
